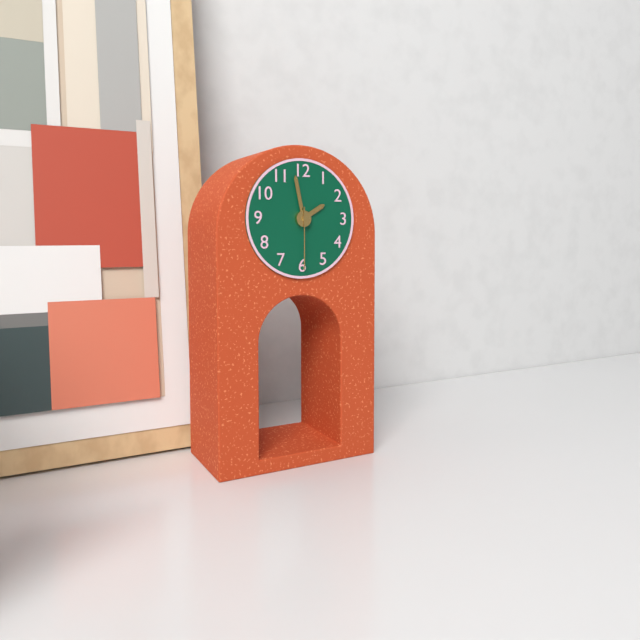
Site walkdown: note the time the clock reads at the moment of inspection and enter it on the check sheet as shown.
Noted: 1:58:30
